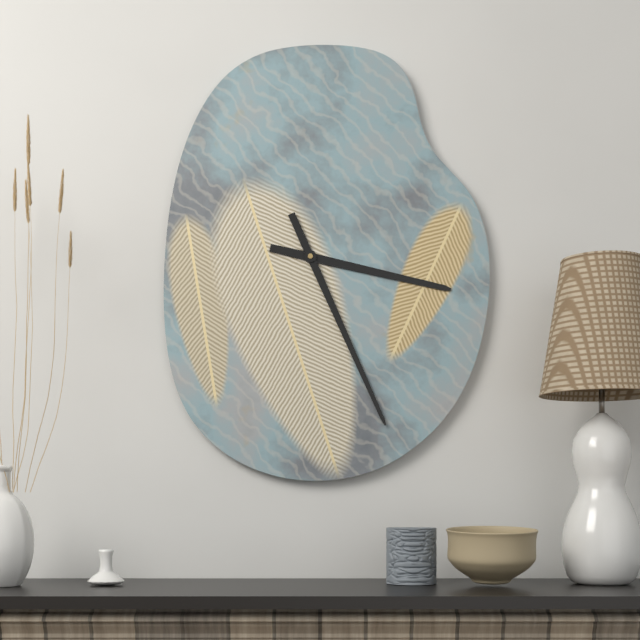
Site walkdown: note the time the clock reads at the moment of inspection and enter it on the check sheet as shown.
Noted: 3:26
